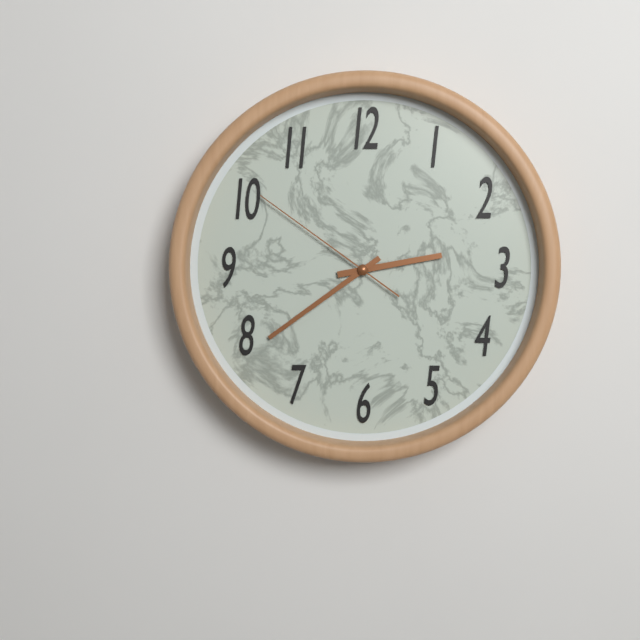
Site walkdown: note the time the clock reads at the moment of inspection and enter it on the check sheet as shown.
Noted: 2:39:51
